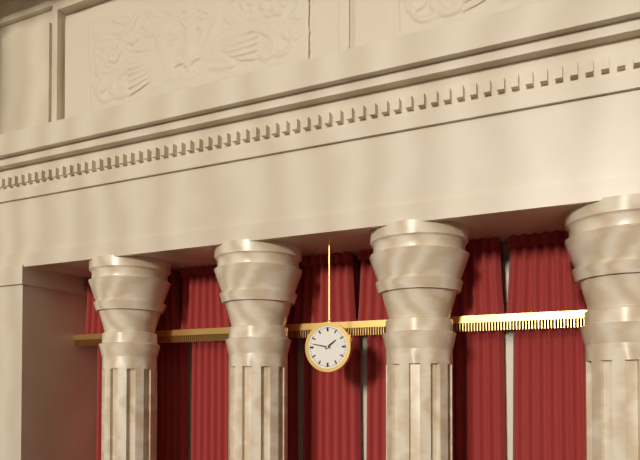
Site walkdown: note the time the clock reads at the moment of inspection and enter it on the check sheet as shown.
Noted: 1:47
